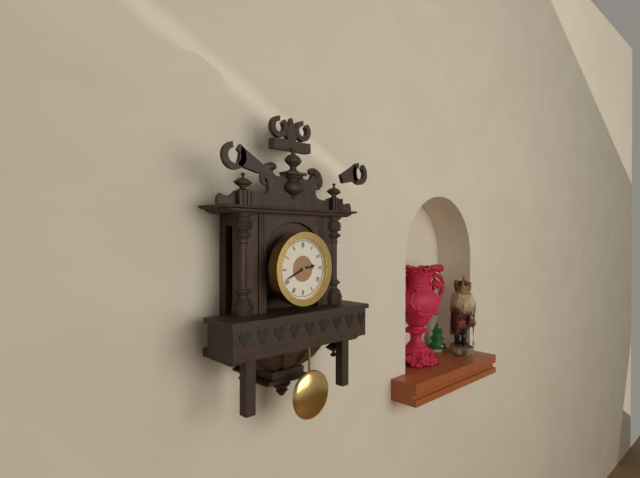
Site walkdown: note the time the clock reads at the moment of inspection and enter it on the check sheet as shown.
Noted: 2:41
